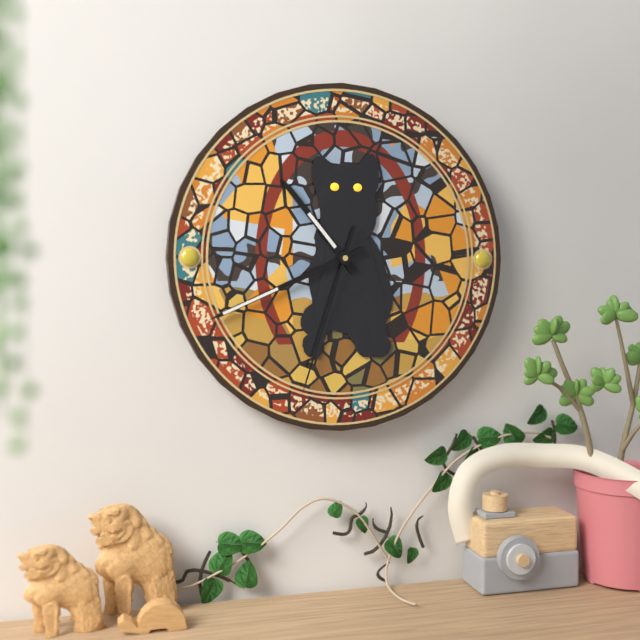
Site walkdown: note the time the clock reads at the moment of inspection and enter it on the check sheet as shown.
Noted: 10:41:33
